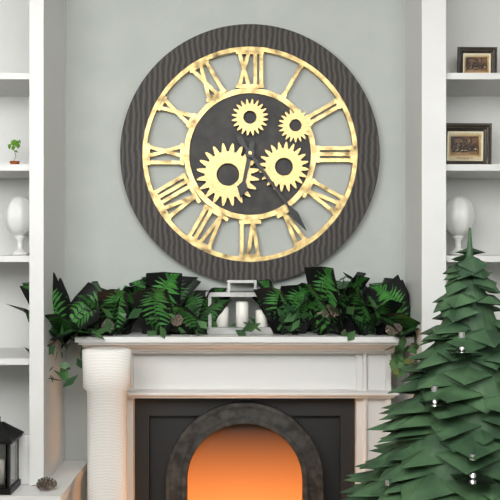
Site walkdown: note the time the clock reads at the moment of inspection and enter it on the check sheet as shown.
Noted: 6:24
